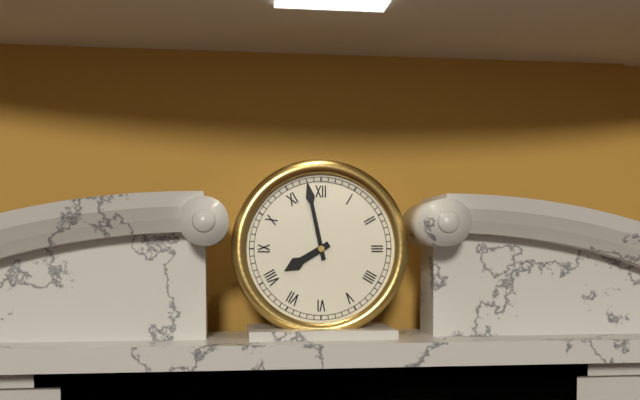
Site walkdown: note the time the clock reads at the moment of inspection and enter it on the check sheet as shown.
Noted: 7:58
